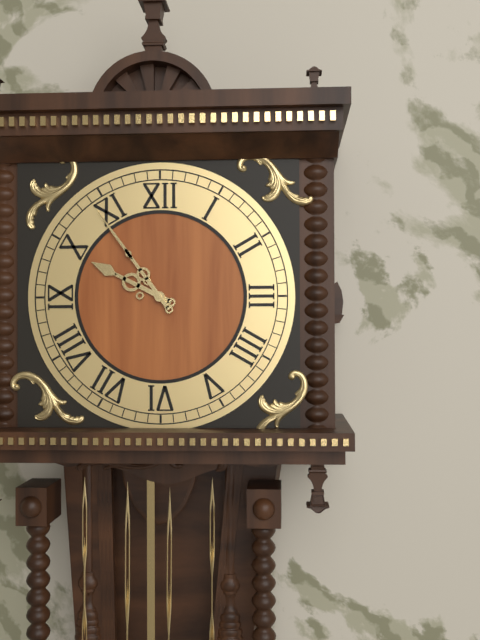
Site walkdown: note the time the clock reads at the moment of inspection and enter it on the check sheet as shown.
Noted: 9:54
